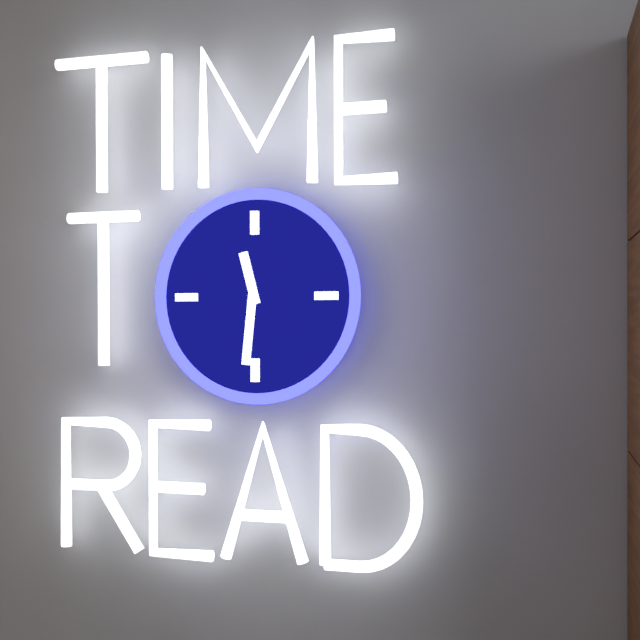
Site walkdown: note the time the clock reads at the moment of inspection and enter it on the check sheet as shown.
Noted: 11:31
